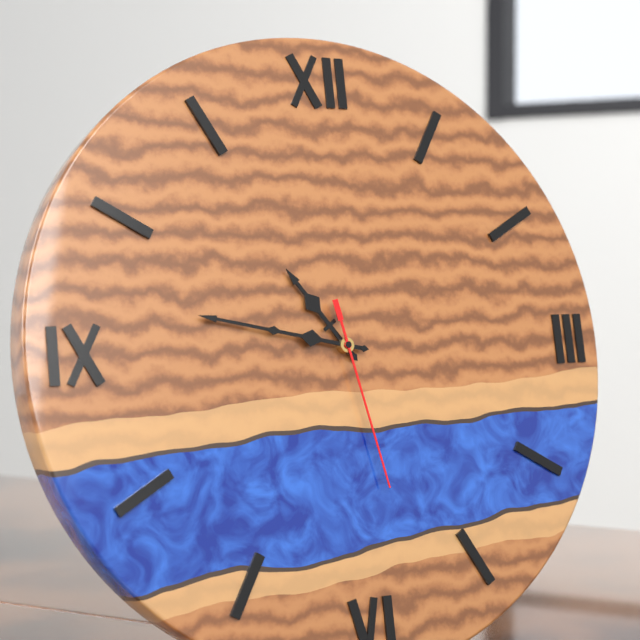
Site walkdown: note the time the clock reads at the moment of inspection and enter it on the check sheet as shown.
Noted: 10:47:28
